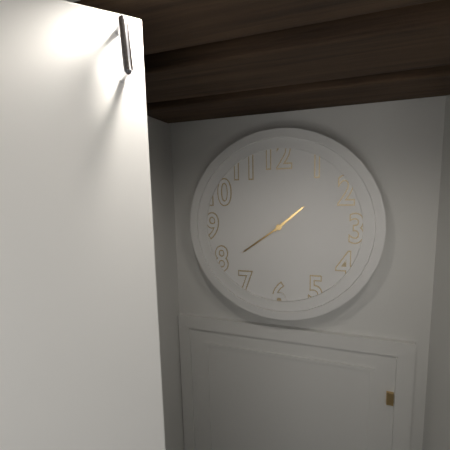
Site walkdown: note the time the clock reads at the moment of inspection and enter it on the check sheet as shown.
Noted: 1:39
